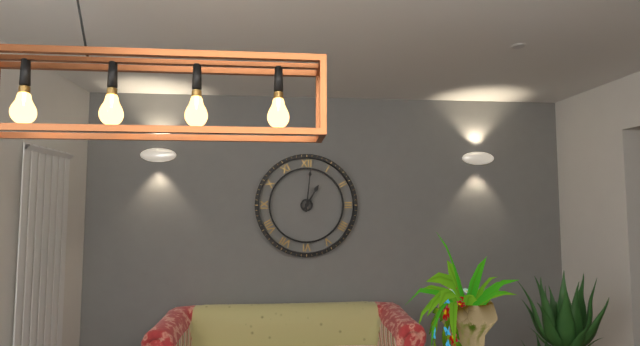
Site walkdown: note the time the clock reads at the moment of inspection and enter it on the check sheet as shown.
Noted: 1:01
